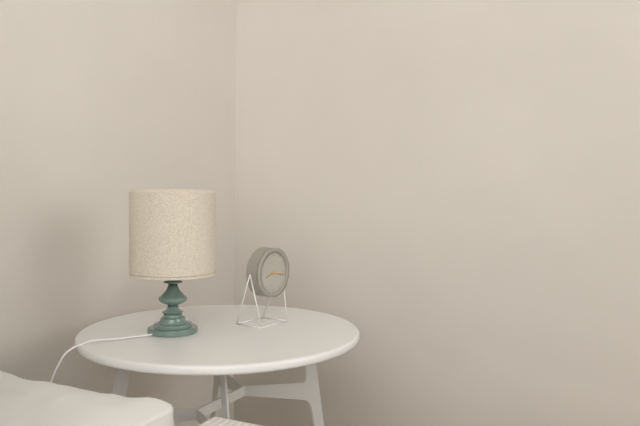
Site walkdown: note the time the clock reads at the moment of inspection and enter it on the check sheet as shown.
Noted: 8:17
